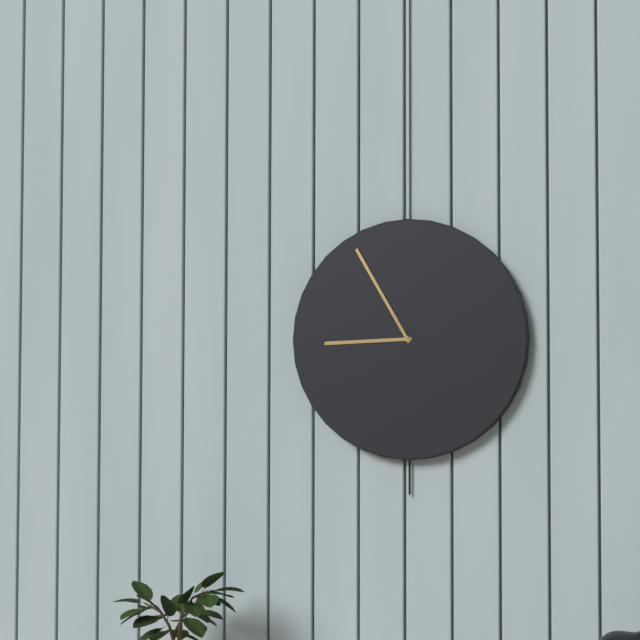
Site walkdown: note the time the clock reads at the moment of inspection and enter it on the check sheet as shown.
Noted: 8:55
